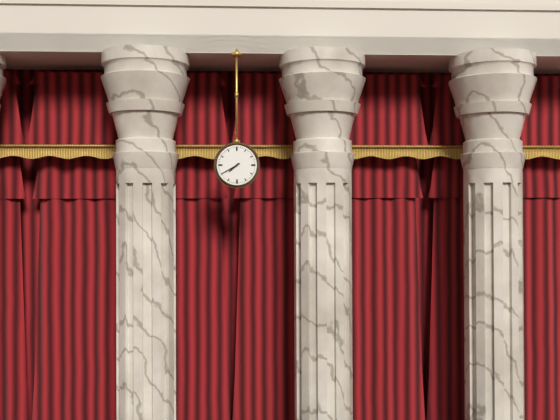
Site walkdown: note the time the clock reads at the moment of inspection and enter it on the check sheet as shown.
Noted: 7:40
